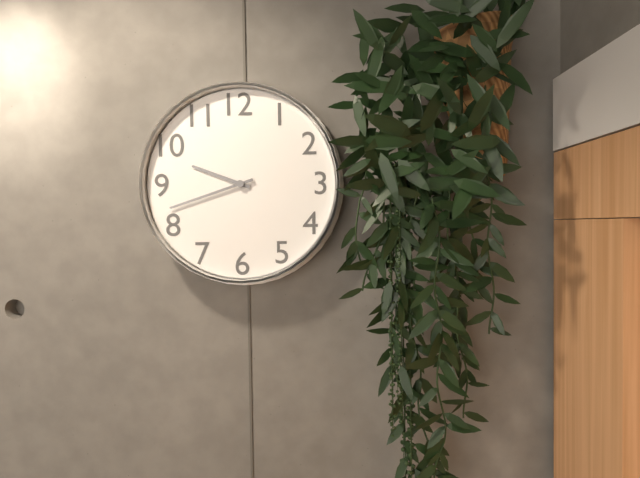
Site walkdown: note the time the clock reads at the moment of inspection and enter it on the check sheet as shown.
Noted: 9:42
